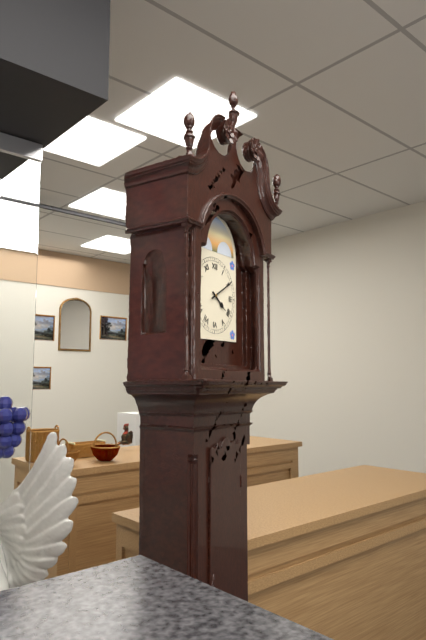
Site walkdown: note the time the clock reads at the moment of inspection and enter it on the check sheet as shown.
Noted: 4:10
